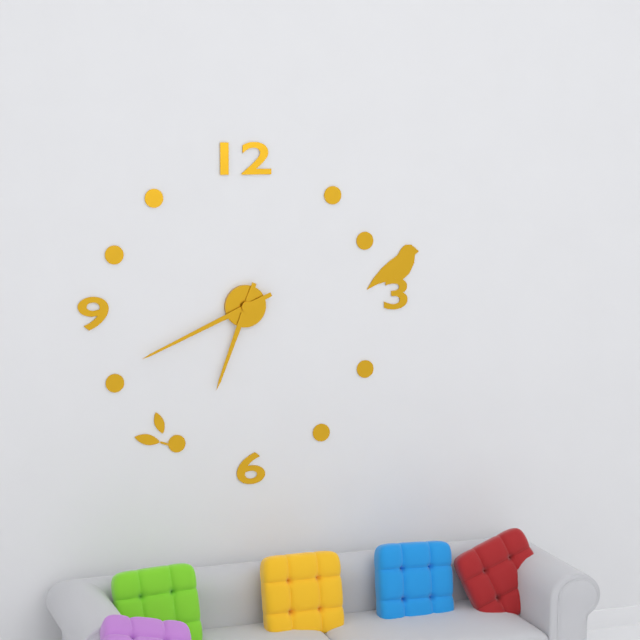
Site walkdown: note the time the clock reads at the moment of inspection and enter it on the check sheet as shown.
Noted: 6:41
